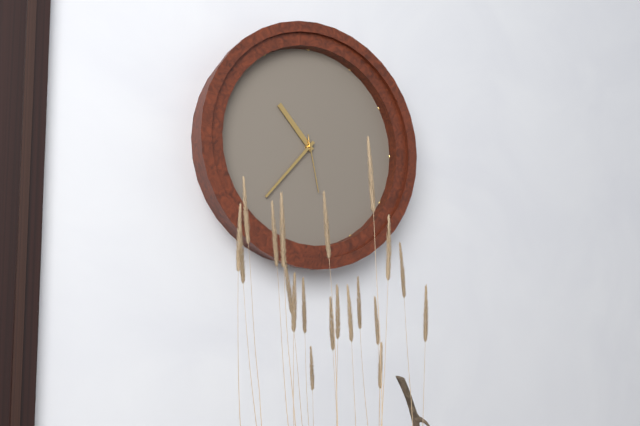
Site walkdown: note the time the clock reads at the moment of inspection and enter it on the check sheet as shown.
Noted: 10:37:28
